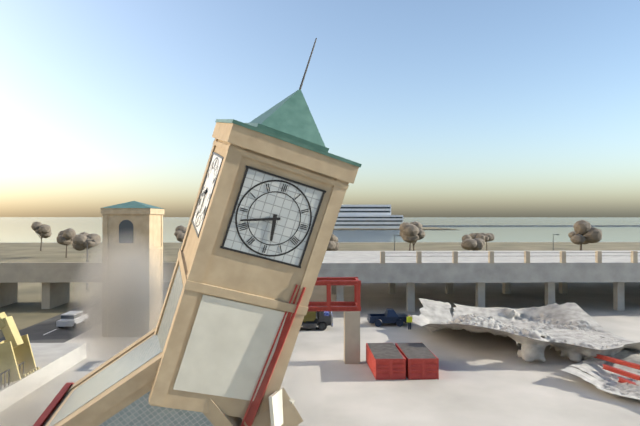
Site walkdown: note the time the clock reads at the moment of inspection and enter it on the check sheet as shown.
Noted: 5:42
